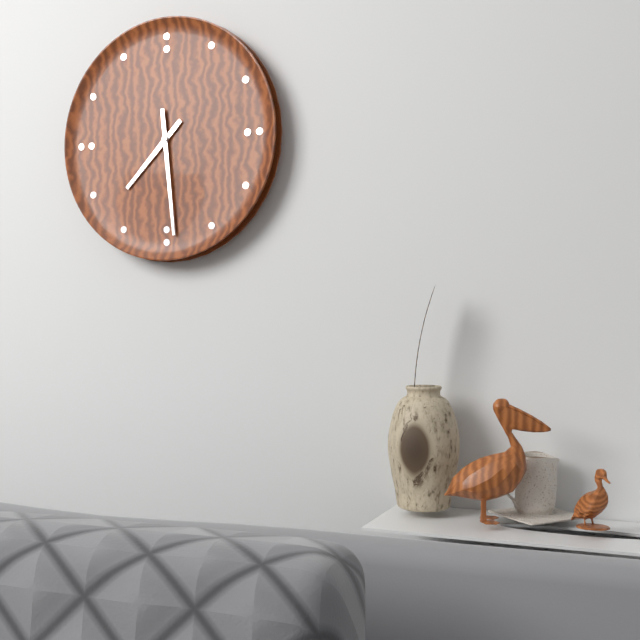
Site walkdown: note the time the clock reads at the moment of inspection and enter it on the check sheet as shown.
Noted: 7:29
